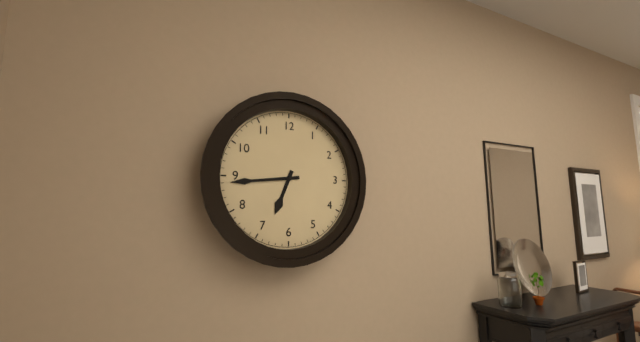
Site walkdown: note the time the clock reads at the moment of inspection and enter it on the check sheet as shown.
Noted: 6:44
